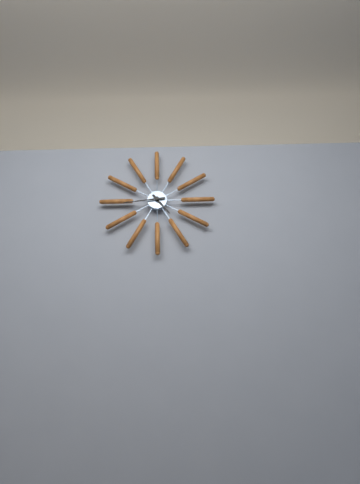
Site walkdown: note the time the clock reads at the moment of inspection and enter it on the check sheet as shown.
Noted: 4:44
